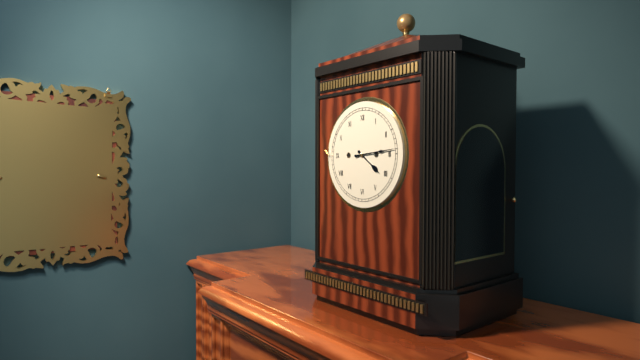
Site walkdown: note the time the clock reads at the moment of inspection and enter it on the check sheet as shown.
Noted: 4:14
